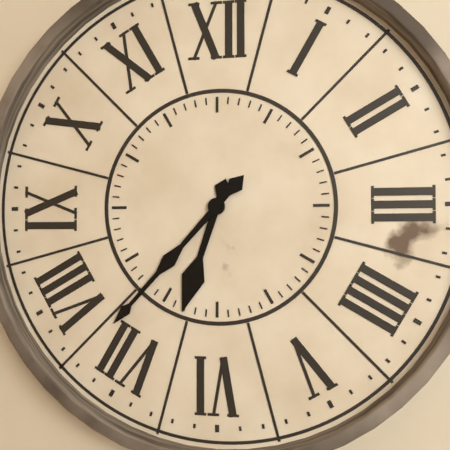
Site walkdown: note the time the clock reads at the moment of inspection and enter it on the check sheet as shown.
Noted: 6:37
